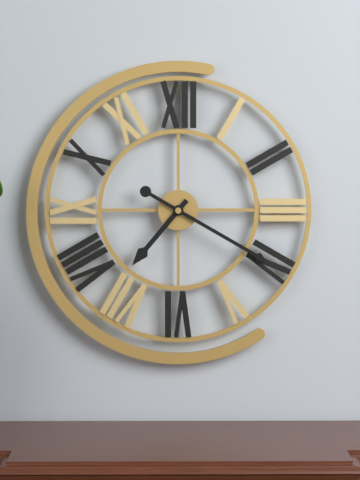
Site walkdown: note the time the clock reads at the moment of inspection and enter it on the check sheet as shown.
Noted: 7:20
